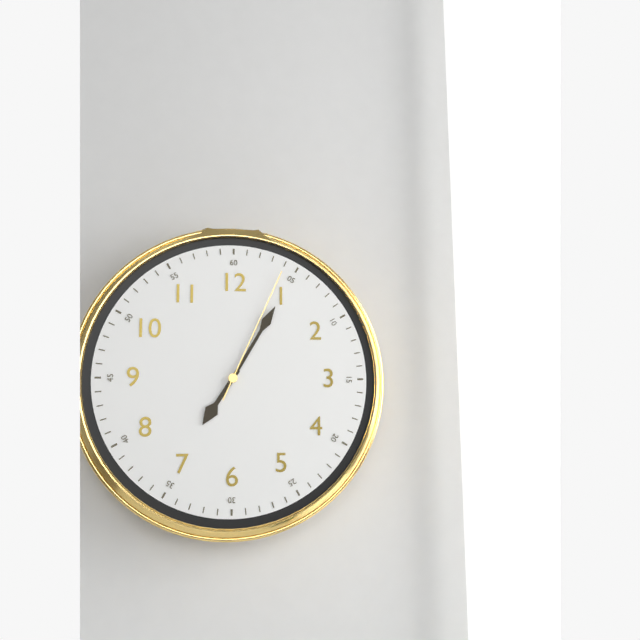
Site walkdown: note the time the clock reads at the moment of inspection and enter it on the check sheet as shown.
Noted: 7:05:04
